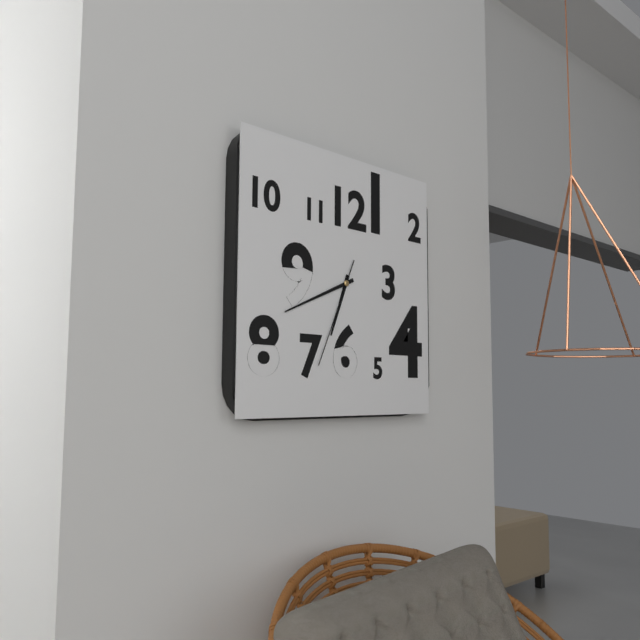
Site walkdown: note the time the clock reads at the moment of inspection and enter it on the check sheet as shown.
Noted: 6:41:34
